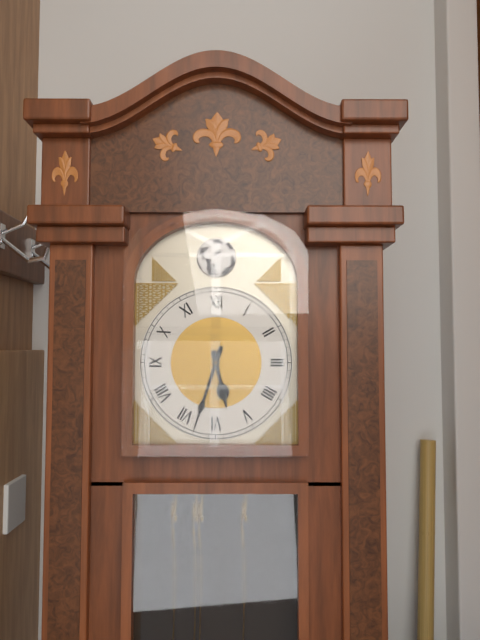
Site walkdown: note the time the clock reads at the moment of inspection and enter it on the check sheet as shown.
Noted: 5:33
